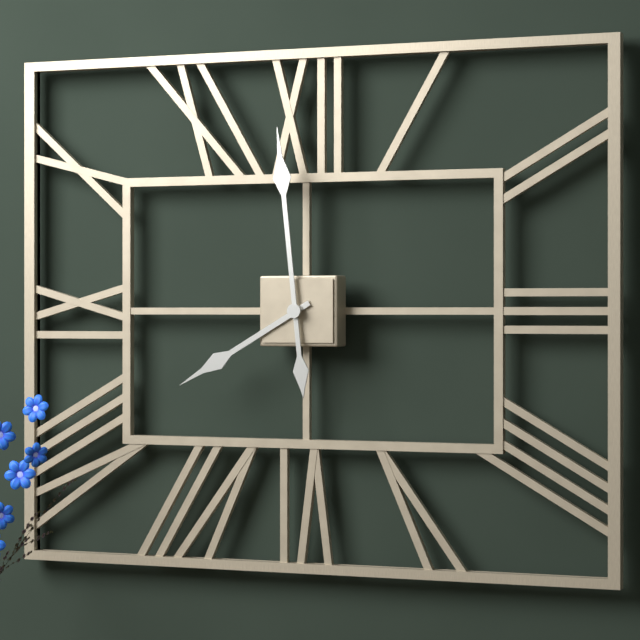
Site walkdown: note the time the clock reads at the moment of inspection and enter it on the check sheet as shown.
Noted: 7:59
